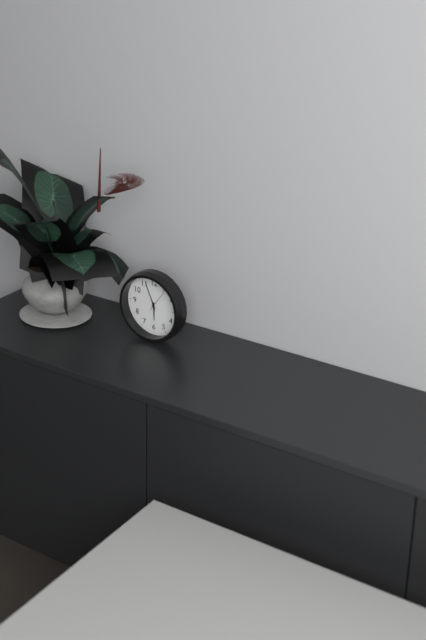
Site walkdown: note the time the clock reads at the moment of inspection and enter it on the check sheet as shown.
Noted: 5:56
